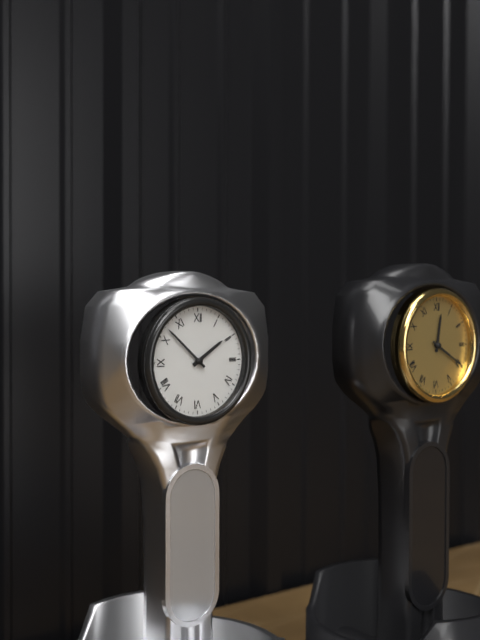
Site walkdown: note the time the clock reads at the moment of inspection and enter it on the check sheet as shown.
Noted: 1:52
